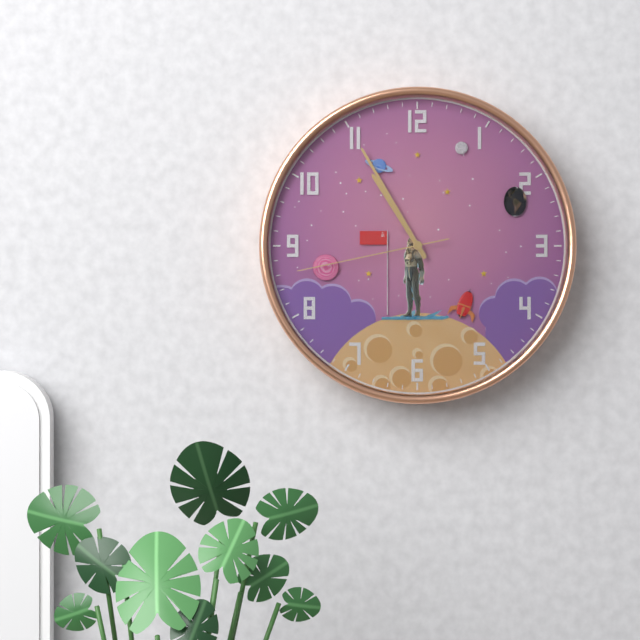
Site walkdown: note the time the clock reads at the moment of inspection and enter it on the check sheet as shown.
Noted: 10:55:43
